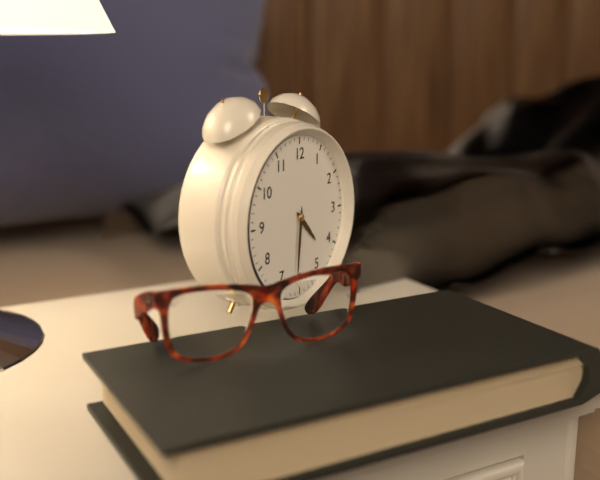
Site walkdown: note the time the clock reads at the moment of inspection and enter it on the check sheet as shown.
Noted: 4:31
